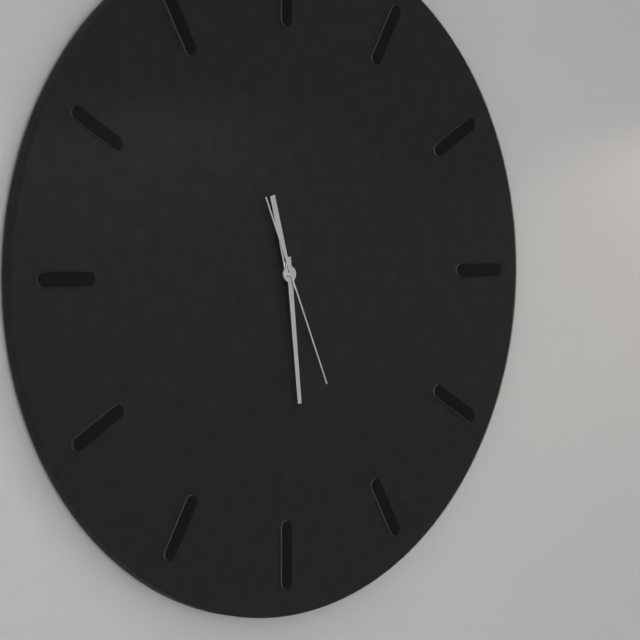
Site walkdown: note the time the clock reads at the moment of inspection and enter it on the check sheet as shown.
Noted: 11:29:26
